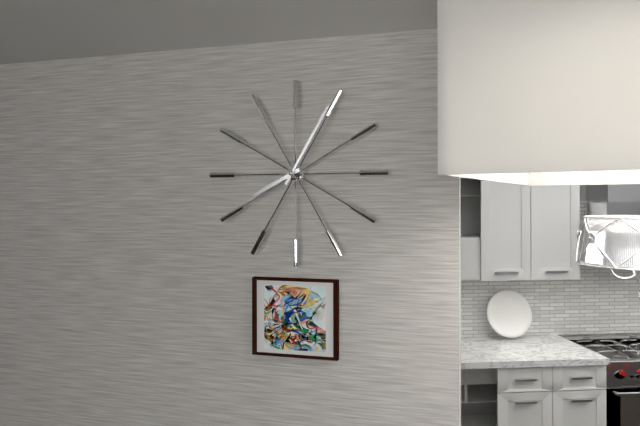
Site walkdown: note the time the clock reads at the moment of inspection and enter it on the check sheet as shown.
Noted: 8:05
